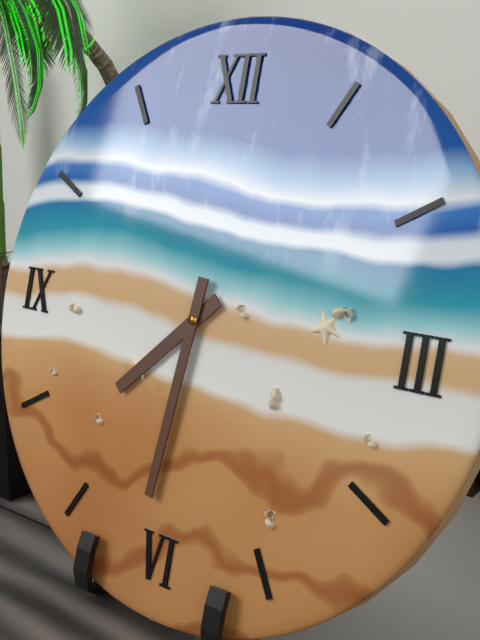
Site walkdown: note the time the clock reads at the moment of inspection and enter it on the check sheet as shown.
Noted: 7:31
